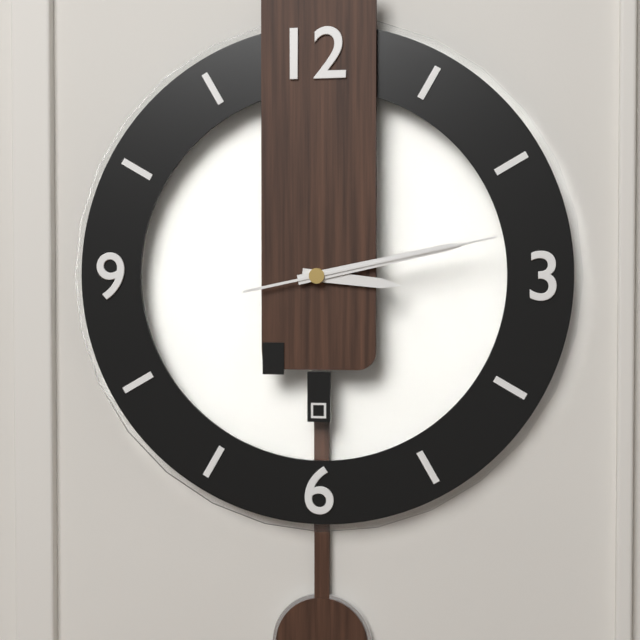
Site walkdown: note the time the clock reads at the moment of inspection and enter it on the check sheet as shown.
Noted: 3:13:13
